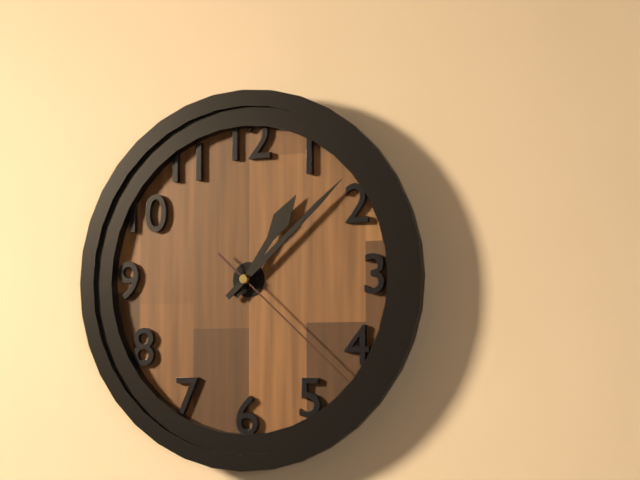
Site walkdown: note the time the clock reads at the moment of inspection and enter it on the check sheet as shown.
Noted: 1:08:22
